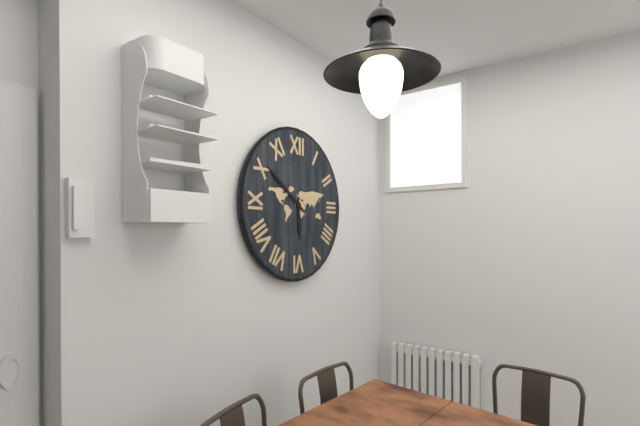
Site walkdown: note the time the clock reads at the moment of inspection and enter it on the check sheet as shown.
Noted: 5:51
